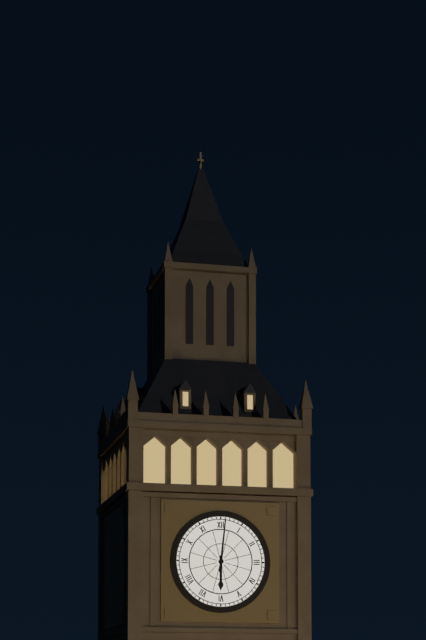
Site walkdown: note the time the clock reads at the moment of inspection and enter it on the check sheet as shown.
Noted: 6:01
